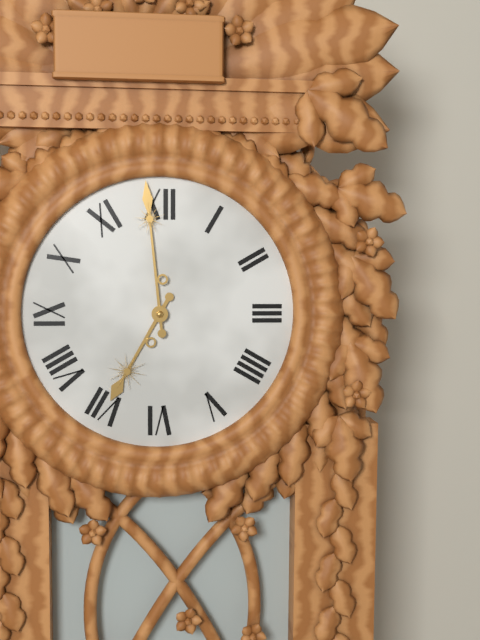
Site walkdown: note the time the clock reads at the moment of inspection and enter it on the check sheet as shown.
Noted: 6:59
